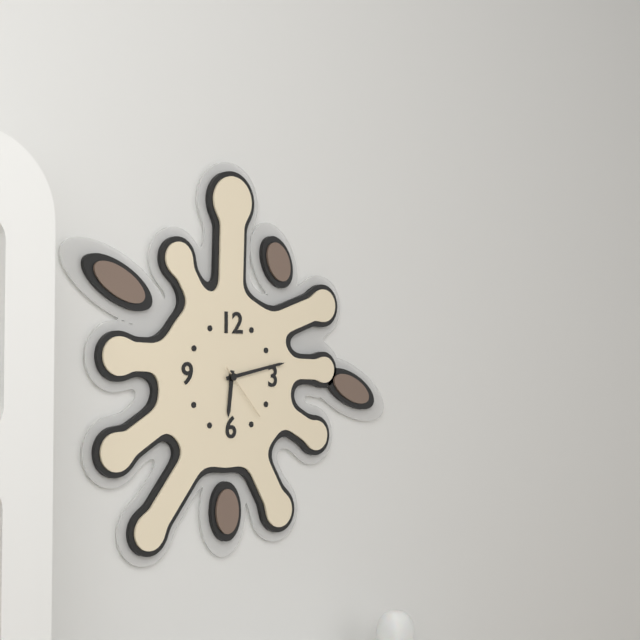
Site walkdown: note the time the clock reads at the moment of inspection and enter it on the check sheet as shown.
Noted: 6:13:23
